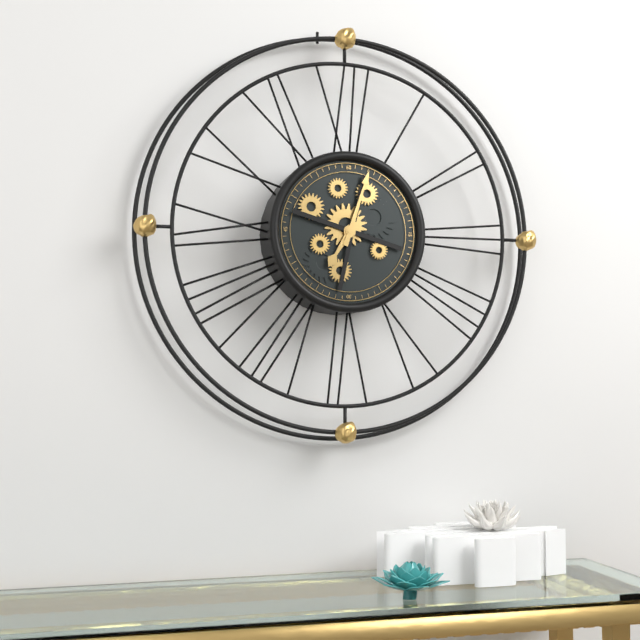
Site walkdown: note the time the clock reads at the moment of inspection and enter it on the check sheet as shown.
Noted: 7:03
